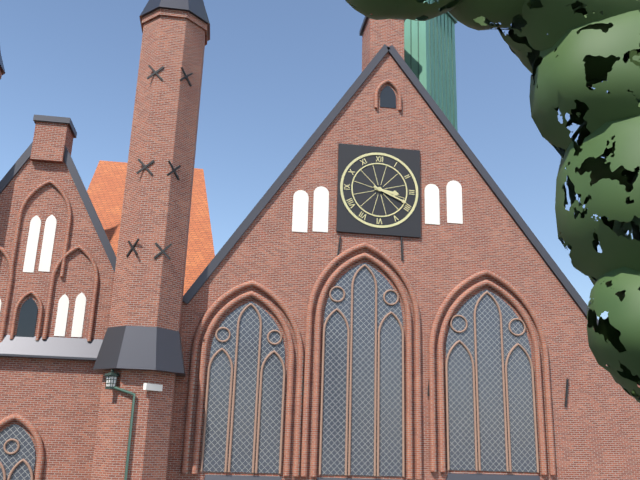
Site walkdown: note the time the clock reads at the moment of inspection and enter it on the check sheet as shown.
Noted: 3:19
